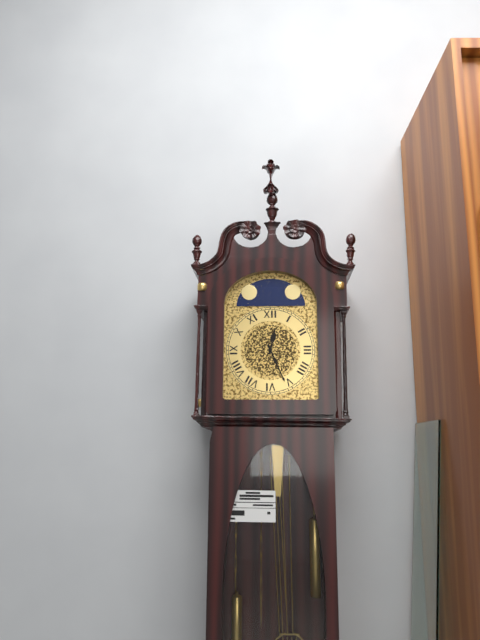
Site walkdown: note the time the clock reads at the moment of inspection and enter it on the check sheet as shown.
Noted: 12:26
